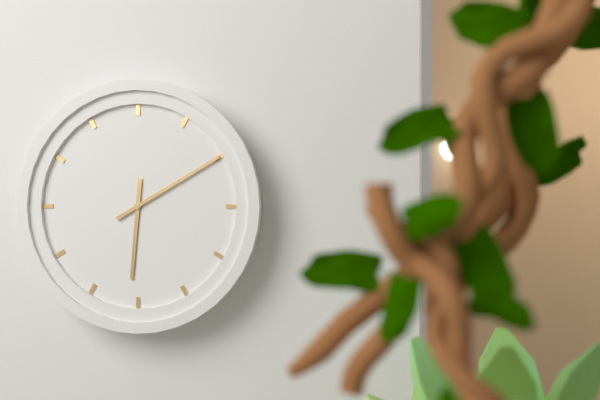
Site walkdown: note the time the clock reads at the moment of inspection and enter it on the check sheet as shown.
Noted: 6:10
